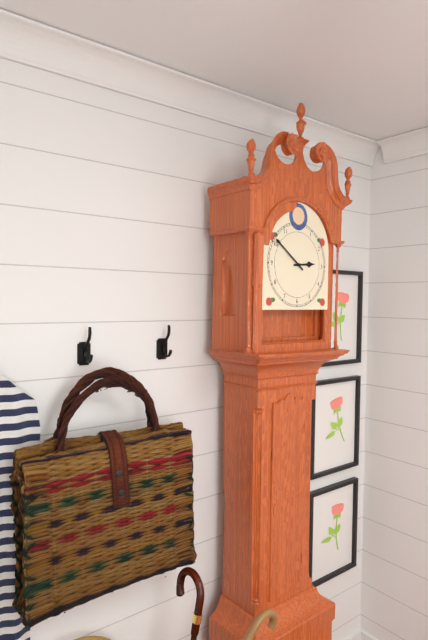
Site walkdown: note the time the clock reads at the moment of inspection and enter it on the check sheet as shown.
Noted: 2:51
